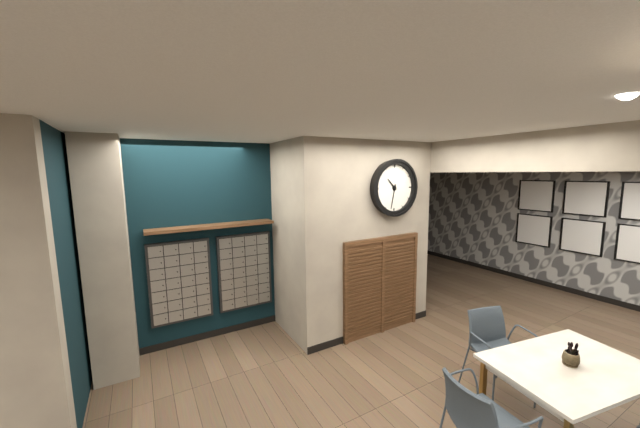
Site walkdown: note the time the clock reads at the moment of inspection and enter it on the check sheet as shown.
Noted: 10:32
